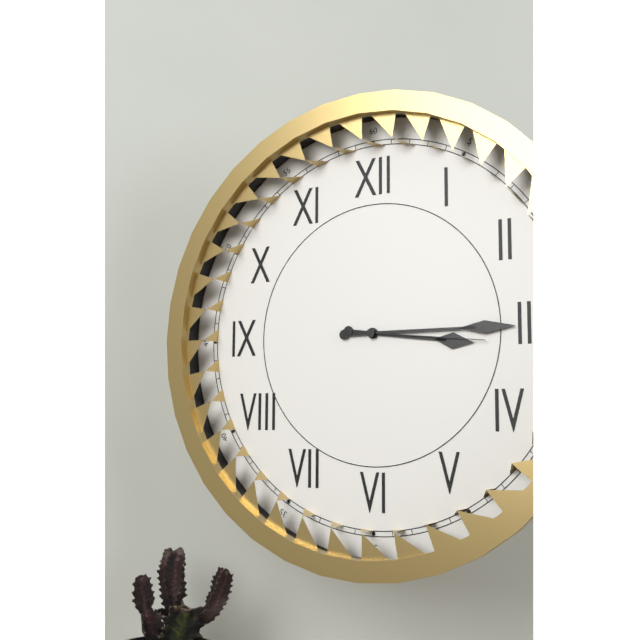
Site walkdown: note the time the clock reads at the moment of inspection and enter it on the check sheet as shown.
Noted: 3:15:16
